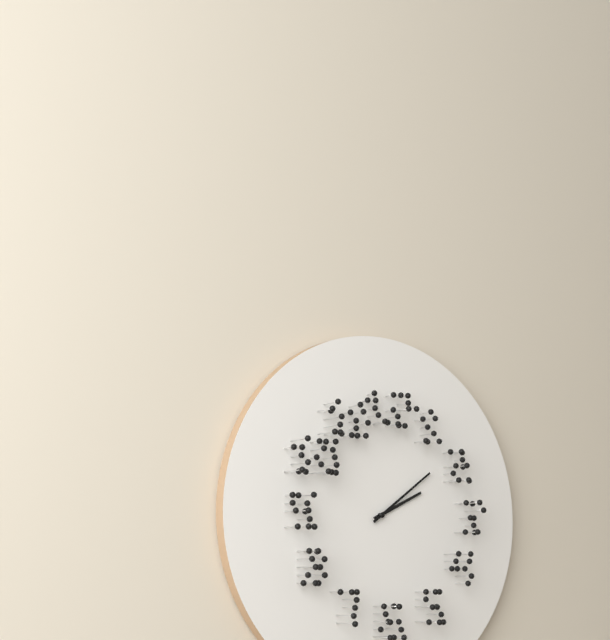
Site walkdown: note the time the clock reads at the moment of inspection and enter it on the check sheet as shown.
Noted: 2:09
